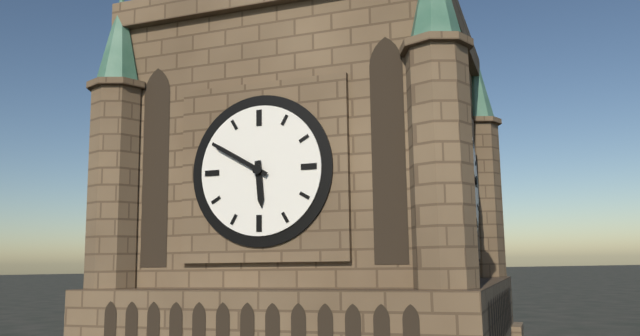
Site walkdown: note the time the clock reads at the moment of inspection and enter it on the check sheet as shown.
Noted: 5:50
